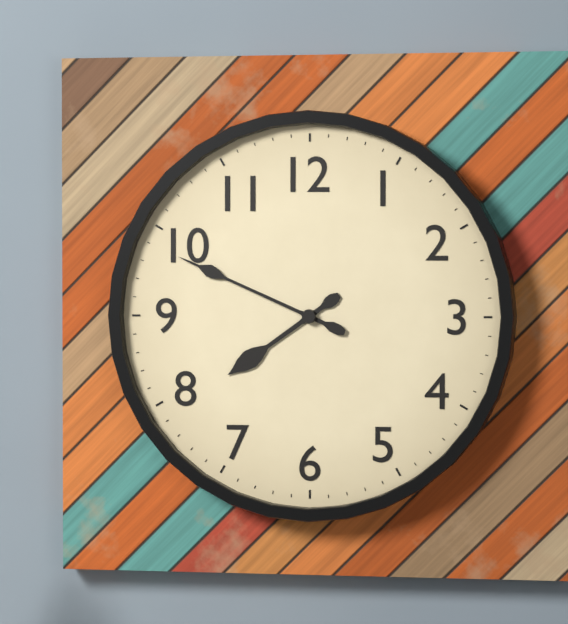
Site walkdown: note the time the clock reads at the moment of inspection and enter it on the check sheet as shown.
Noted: 7:49
